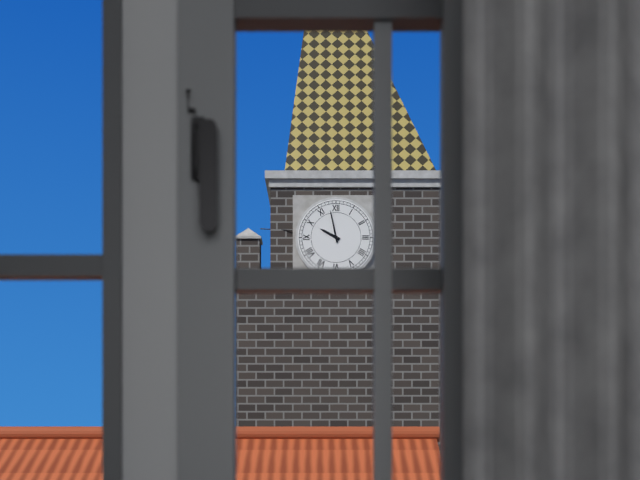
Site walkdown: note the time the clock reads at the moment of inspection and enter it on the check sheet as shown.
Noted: 9:58
